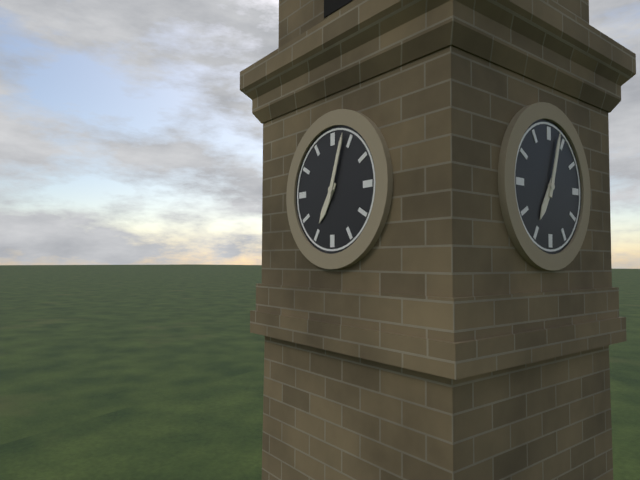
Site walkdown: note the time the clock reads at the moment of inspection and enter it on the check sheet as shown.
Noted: 7:03
